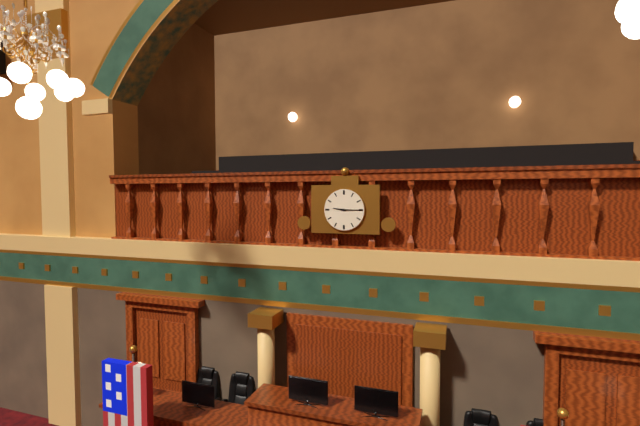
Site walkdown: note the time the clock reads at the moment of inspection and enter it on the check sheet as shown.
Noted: 9:15
